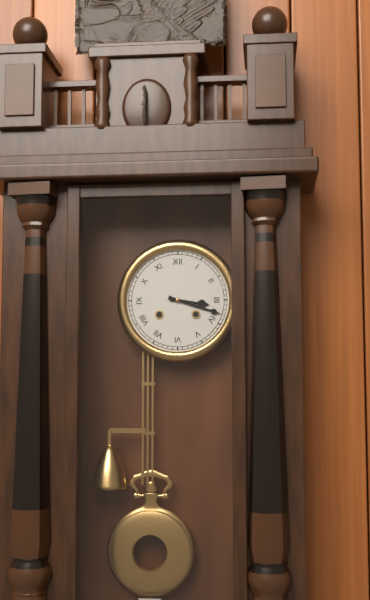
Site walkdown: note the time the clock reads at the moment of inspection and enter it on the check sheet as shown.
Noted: 3:18
